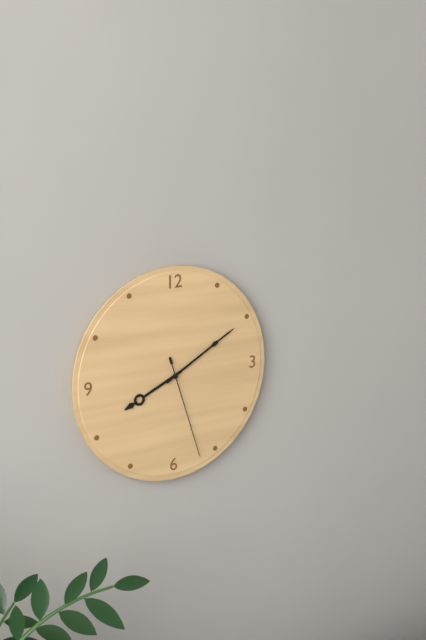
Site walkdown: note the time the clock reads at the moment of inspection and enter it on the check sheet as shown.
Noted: 8:10:27
